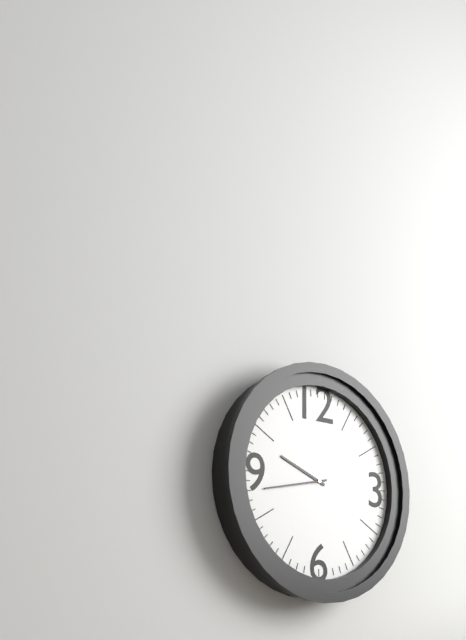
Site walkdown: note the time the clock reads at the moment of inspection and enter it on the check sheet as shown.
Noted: 9:43
